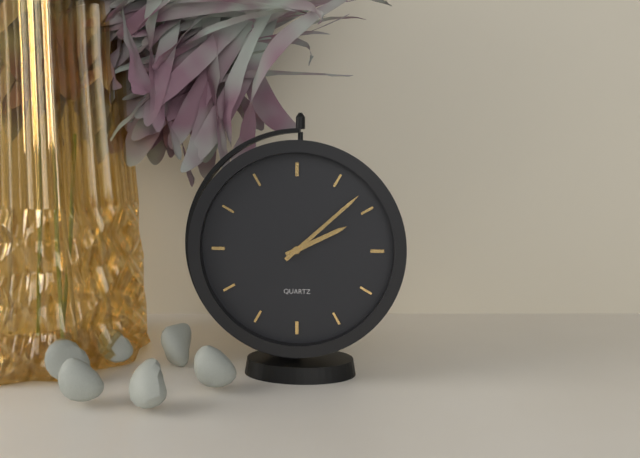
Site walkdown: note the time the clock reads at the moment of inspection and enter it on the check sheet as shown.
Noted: 2:08
